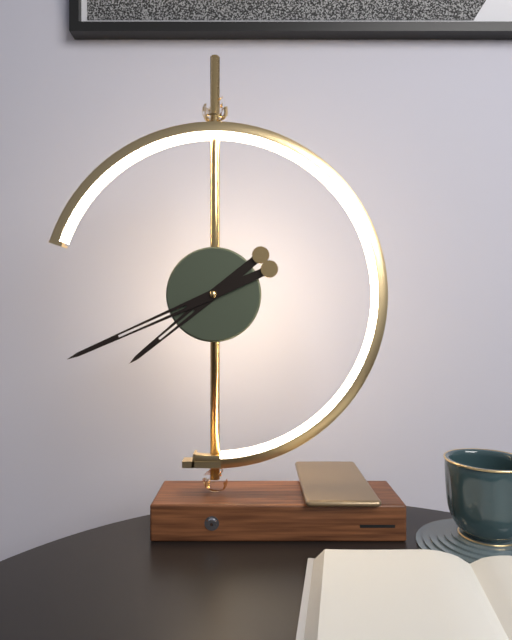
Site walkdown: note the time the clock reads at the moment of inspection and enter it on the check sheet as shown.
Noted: 7:41
